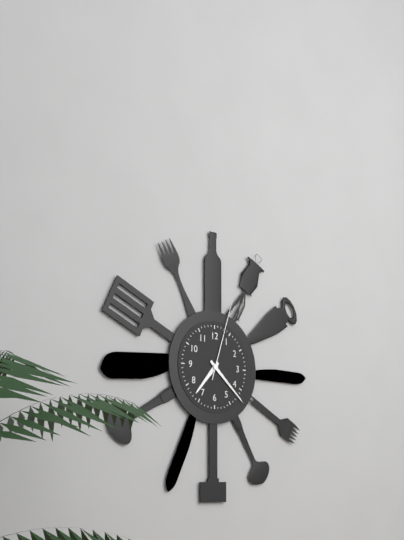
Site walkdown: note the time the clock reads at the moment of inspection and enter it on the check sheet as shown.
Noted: 7:22:03
